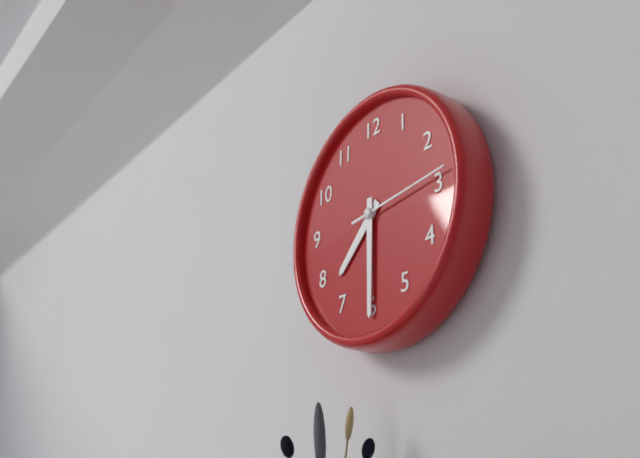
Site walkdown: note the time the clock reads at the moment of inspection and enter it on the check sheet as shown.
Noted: 7:30:14
